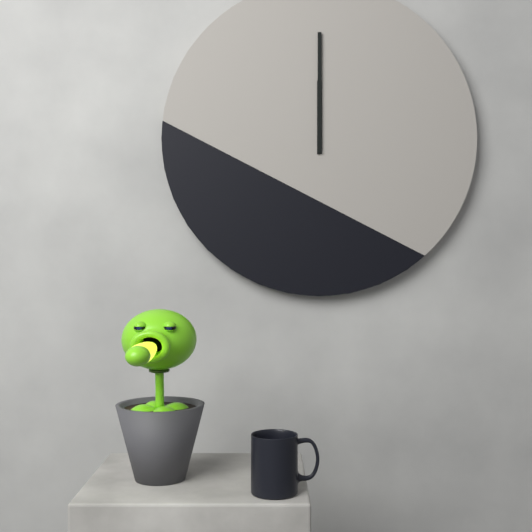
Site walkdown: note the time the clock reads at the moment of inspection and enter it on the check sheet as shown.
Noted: 12:00
